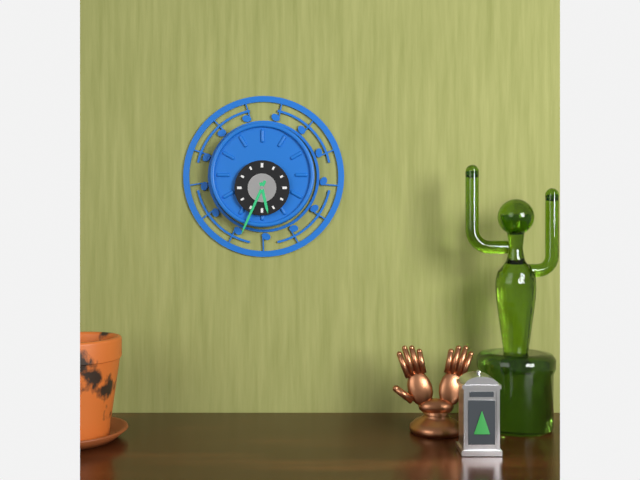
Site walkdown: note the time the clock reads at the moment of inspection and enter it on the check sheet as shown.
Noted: 5:34
